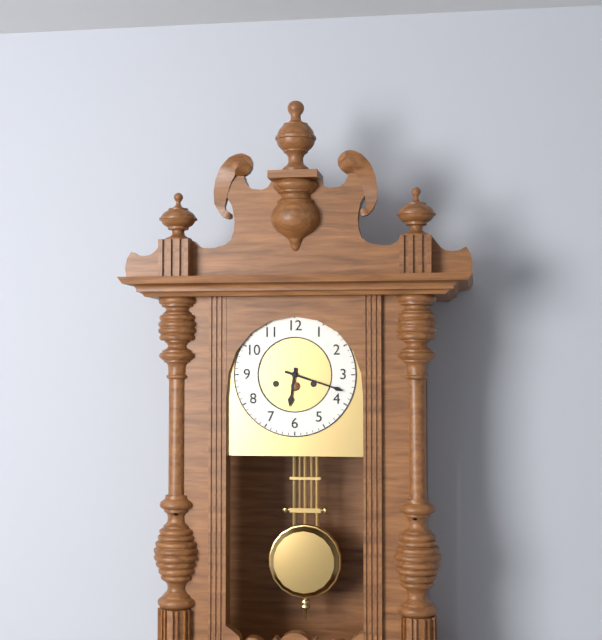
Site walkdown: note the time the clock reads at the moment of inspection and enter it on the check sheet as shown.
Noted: 6:18
